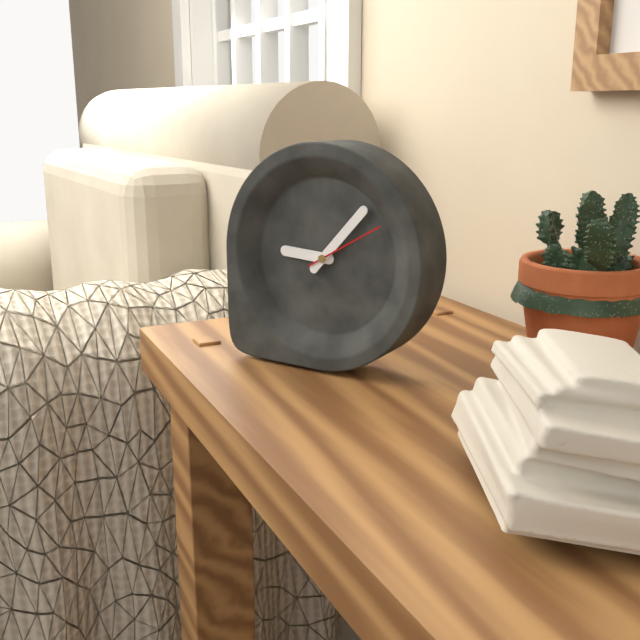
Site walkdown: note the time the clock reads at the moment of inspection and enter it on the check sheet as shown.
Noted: 9:07:10
